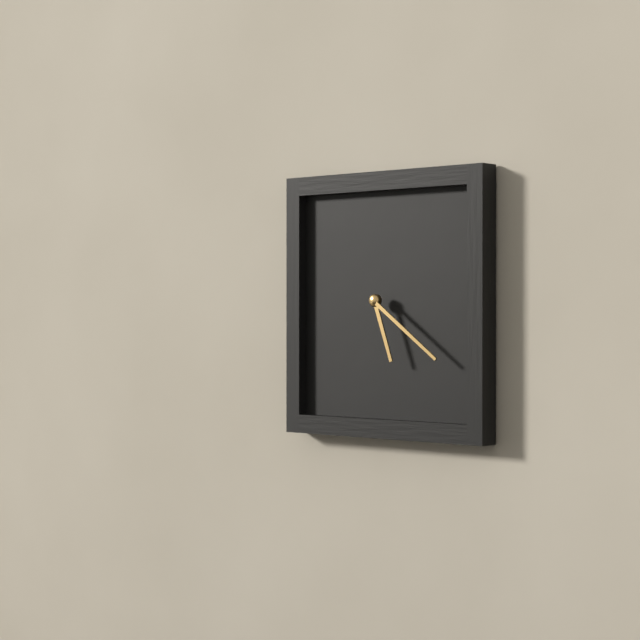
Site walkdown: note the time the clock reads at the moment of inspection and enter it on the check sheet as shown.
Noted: 5:21
